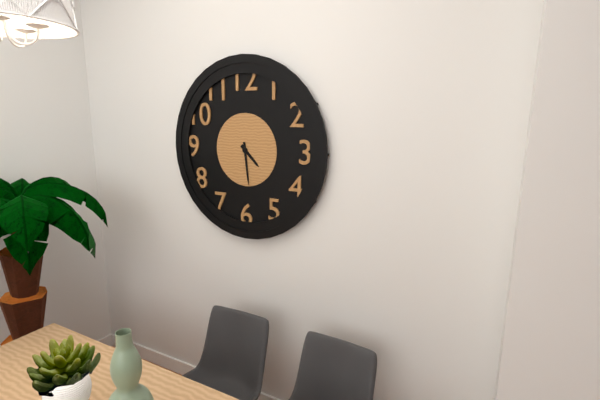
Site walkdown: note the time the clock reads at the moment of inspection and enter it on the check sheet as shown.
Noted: 4:29
